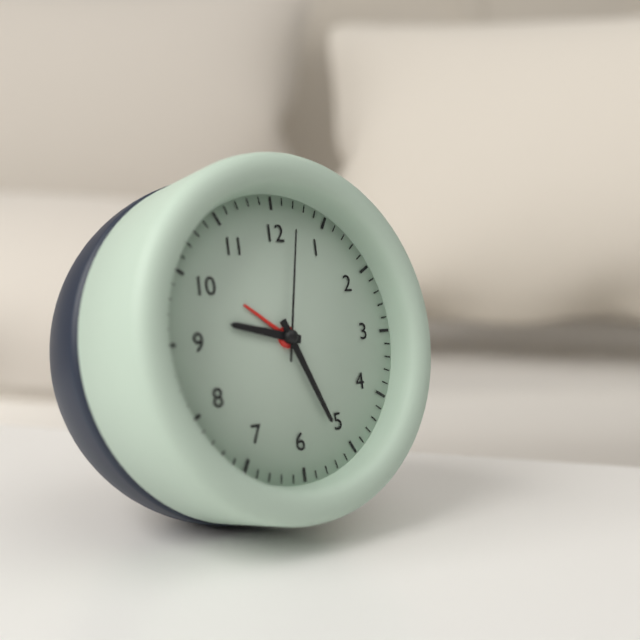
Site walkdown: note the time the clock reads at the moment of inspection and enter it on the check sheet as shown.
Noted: 9:26:02
